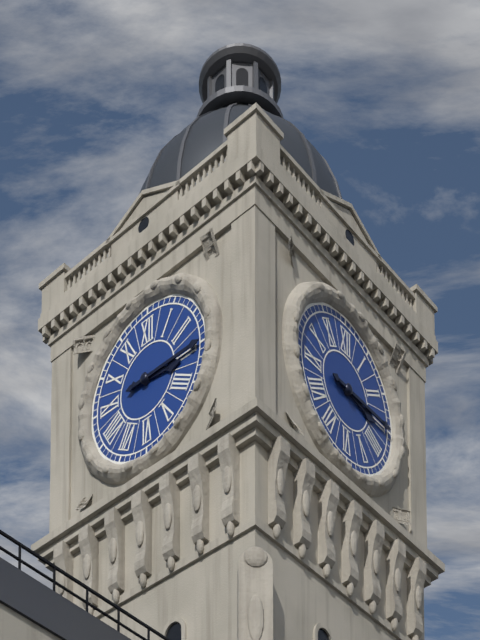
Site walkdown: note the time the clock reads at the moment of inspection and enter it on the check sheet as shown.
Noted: 3:15
